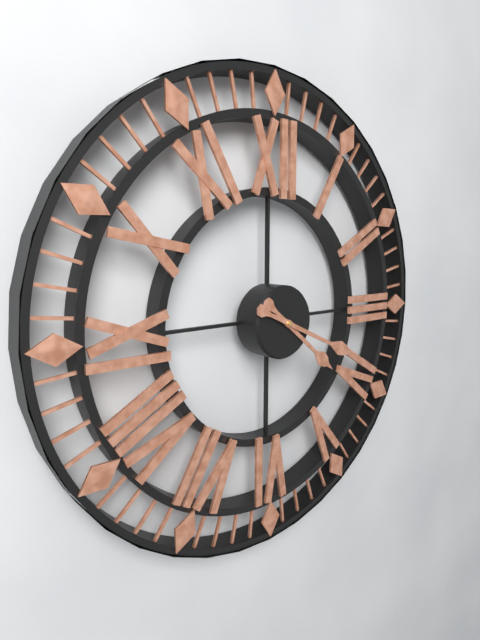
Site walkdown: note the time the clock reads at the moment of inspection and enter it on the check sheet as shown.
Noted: 4:19
